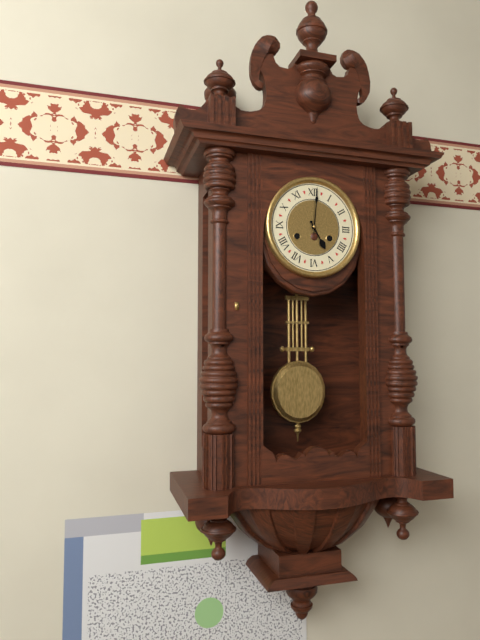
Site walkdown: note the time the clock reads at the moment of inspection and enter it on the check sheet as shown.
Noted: 5:01
